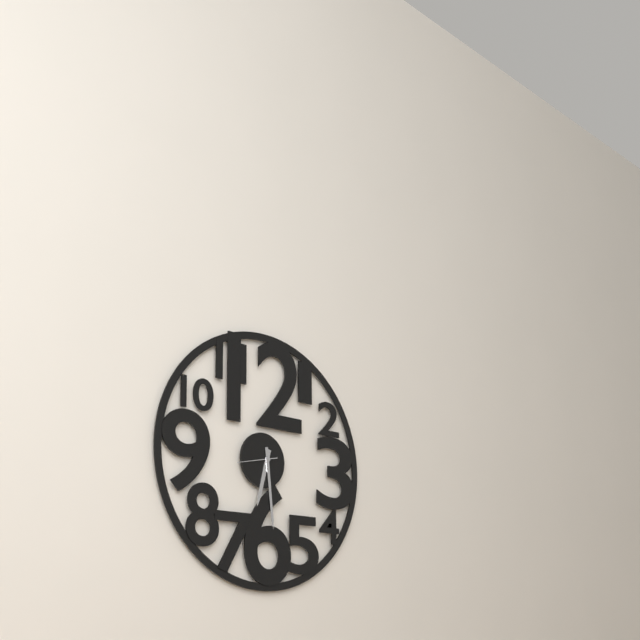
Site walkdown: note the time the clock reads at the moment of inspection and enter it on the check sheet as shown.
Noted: 6:29
